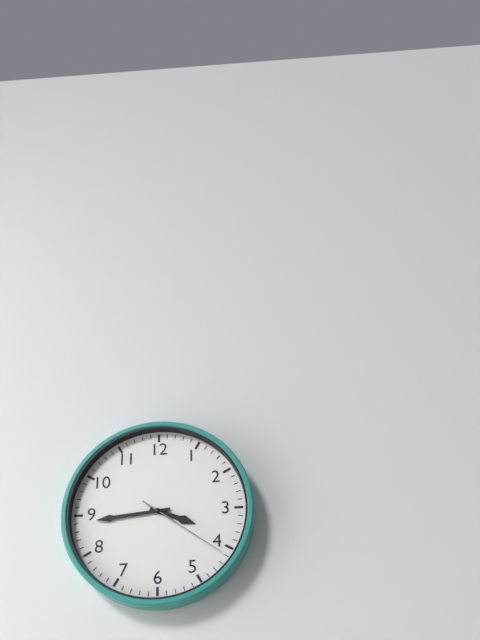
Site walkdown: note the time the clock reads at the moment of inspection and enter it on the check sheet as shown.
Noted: 3:44:21
